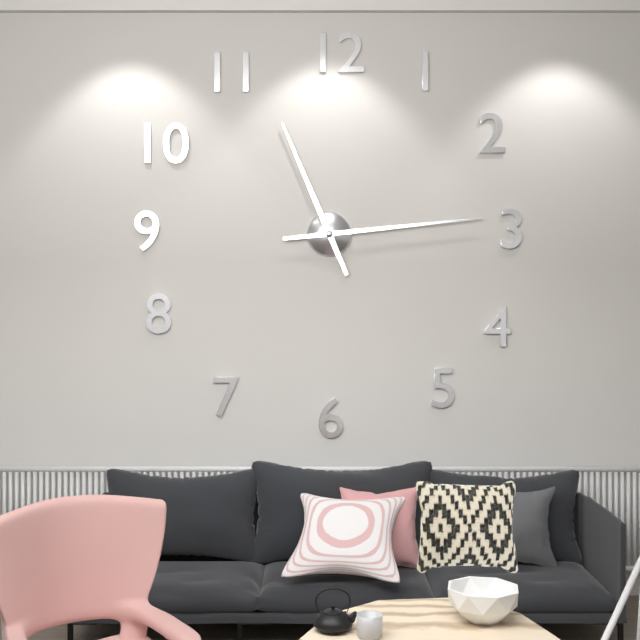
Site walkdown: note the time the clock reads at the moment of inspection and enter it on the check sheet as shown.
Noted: 11:14
